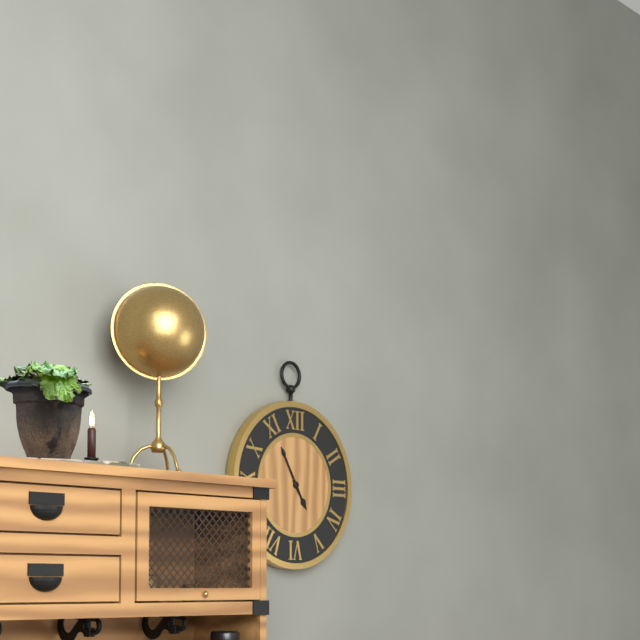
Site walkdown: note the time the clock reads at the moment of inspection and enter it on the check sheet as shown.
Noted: 4:55
